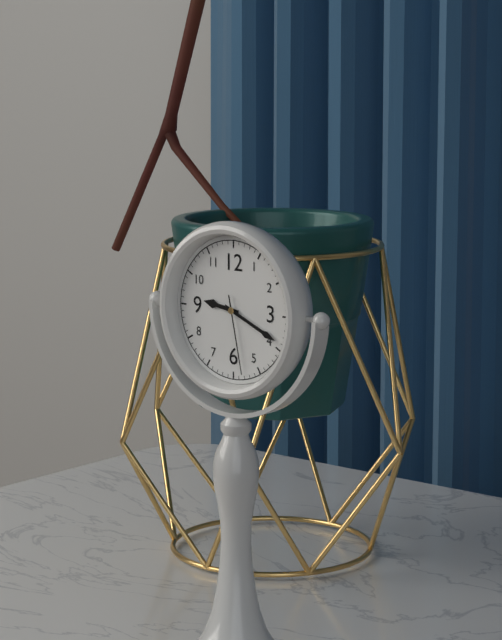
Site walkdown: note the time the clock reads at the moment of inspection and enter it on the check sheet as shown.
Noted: 9:19:28
